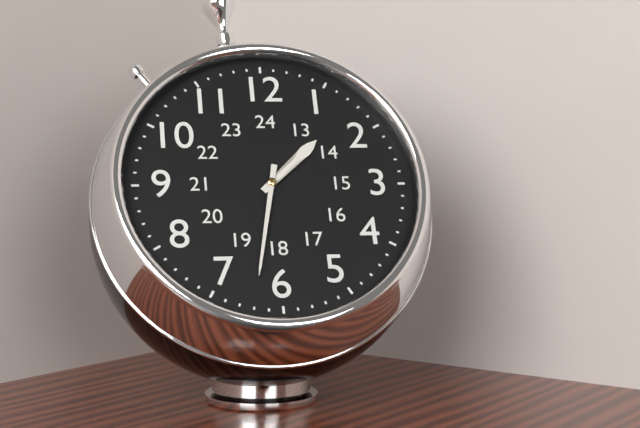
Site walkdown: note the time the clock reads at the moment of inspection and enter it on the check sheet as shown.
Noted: 1:32
